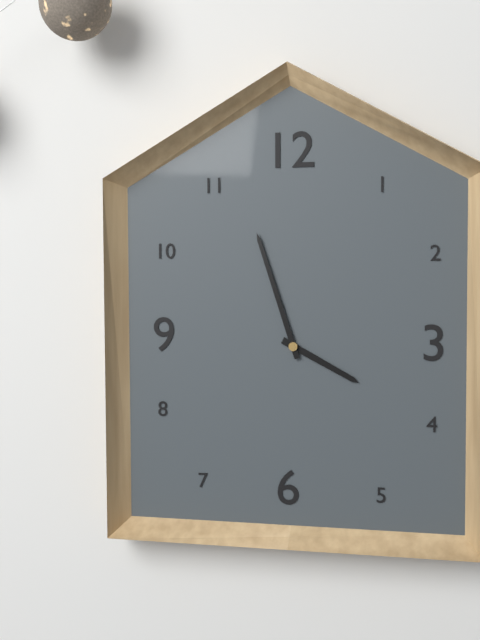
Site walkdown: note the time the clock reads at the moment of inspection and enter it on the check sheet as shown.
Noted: 3:57
